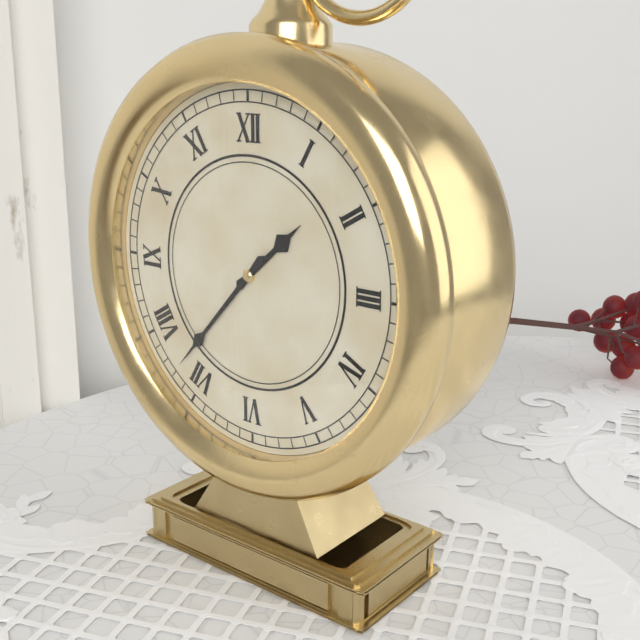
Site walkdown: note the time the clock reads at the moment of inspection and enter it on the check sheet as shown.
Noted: 1:37
